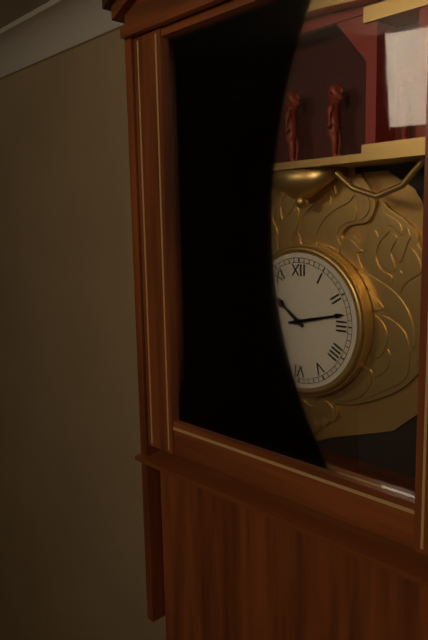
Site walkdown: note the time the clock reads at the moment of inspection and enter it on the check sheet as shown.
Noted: 10:13
